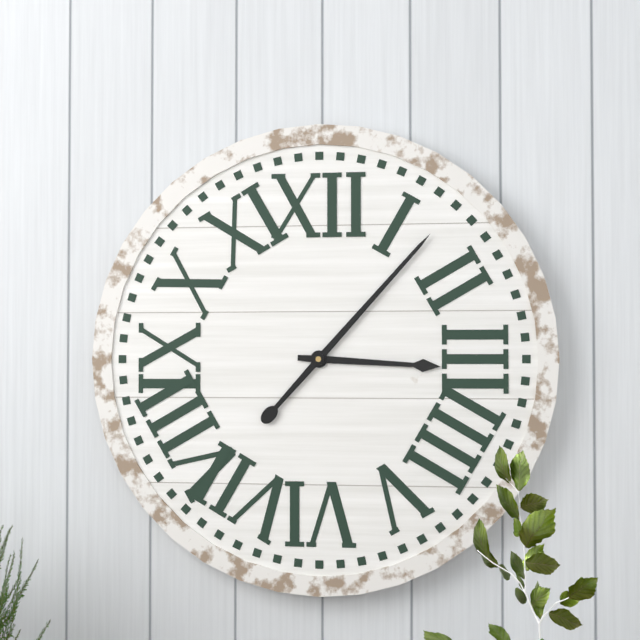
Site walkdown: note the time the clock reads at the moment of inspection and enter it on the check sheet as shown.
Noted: 3:07
